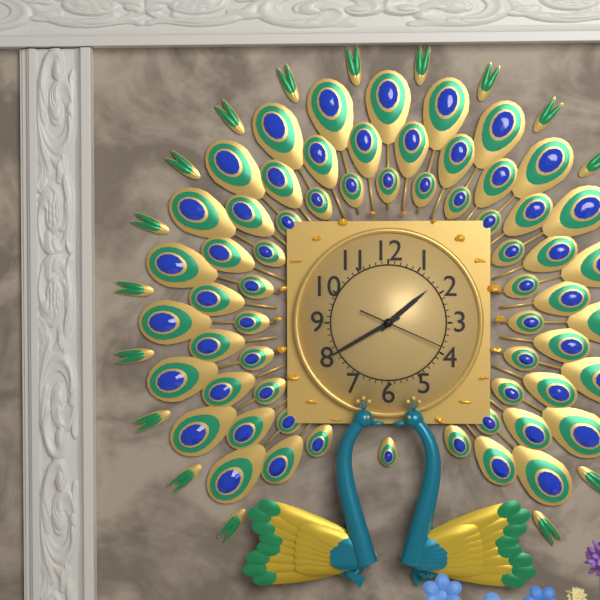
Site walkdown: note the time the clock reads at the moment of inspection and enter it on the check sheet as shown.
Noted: 1:40:19
